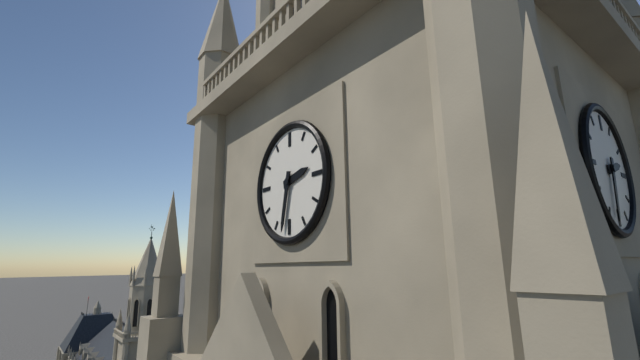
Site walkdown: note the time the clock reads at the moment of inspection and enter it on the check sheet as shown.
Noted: 2:32
